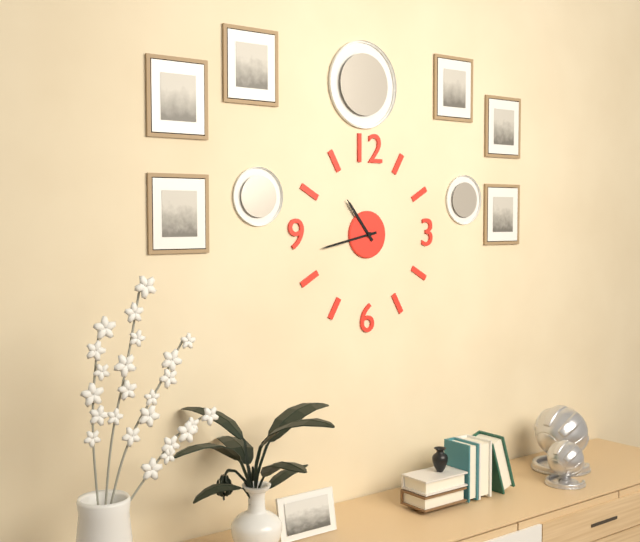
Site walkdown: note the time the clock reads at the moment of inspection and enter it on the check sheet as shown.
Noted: 10:43
